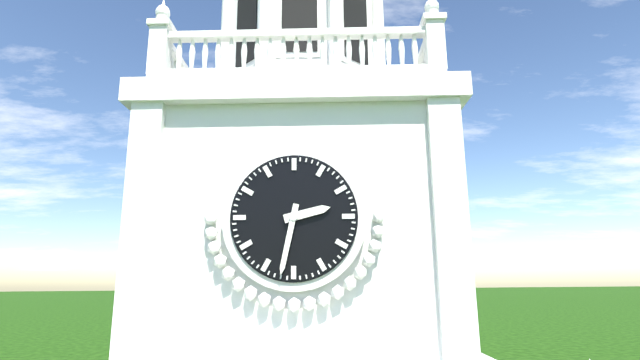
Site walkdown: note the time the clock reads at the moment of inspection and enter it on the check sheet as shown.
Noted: 2:32
